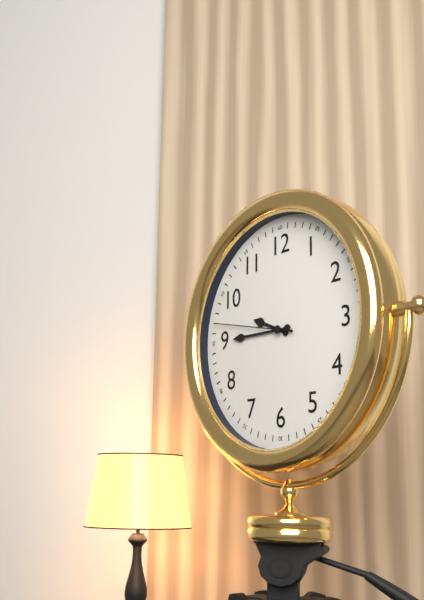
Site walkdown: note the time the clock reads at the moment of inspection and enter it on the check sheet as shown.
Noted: 9:45:47
